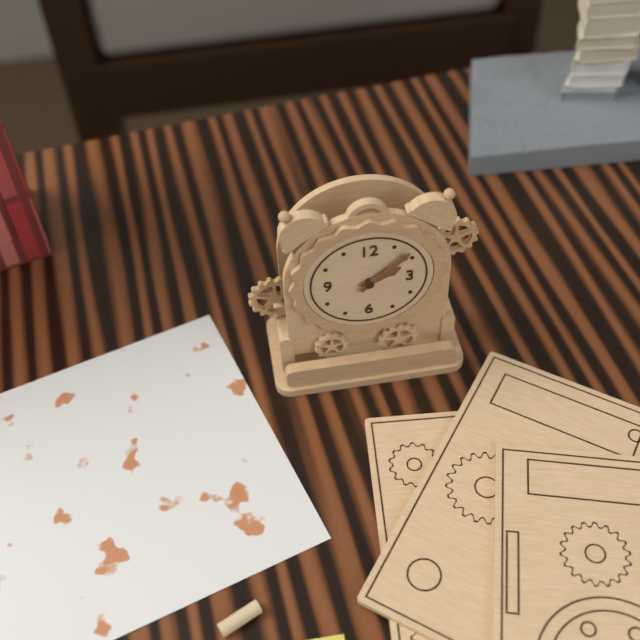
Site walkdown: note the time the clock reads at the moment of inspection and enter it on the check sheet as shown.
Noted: 2:08
